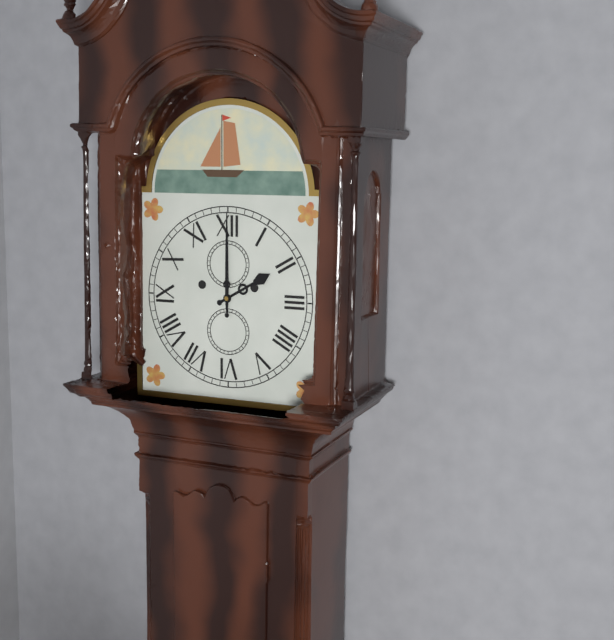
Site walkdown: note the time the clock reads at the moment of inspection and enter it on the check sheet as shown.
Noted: 2:00
